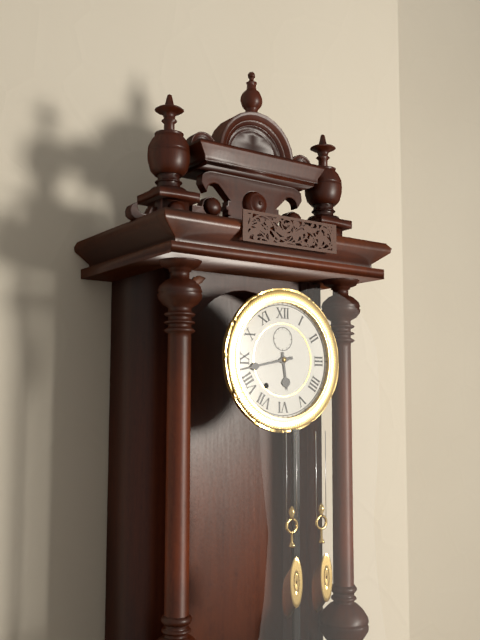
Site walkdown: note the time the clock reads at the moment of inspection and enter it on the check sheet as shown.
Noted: 5:43
